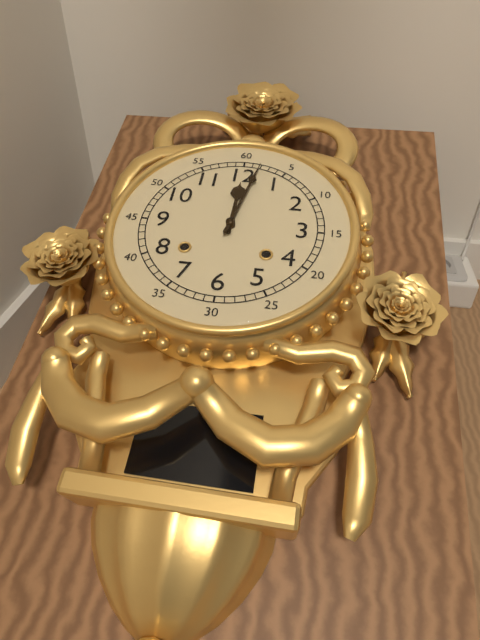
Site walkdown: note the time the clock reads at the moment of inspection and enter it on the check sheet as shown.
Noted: 12:02
